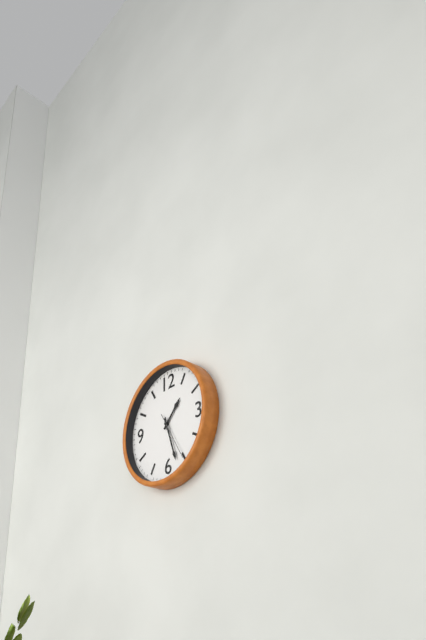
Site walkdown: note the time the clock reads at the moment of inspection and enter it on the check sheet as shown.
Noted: 1:27
